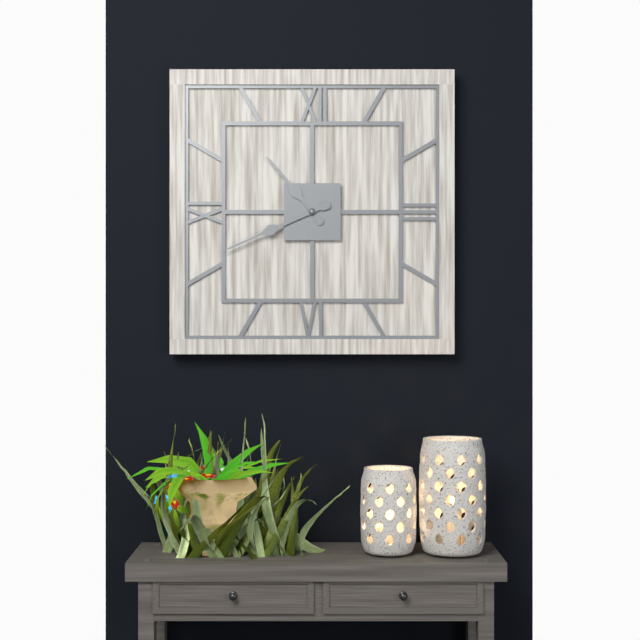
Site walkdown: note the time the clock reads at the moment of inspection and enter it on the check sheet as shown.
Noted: 10:41
